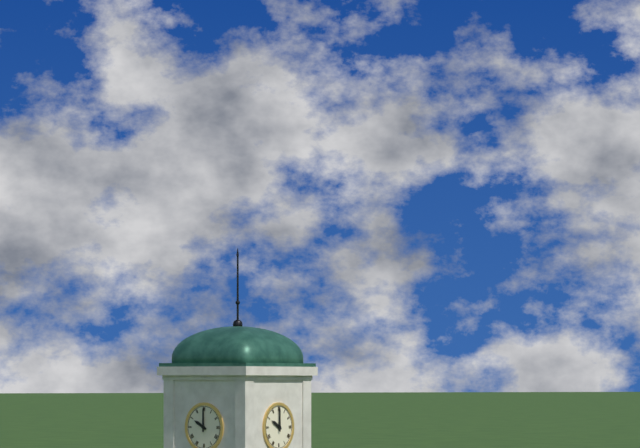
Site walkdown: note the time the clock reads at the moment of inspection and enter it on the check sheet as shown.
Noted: 10:00
